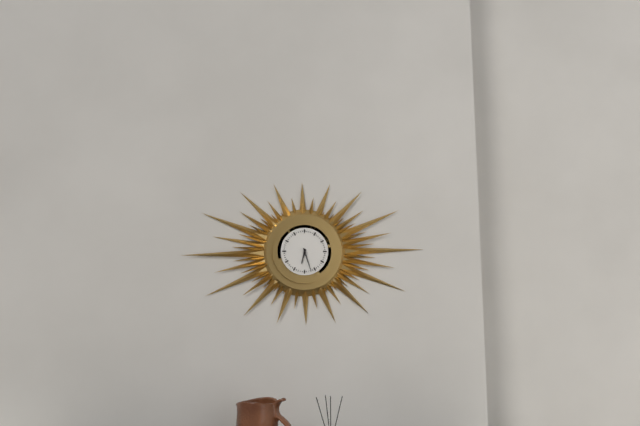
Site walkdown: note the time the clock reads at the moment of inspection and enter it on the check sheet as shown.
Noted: 6:27
